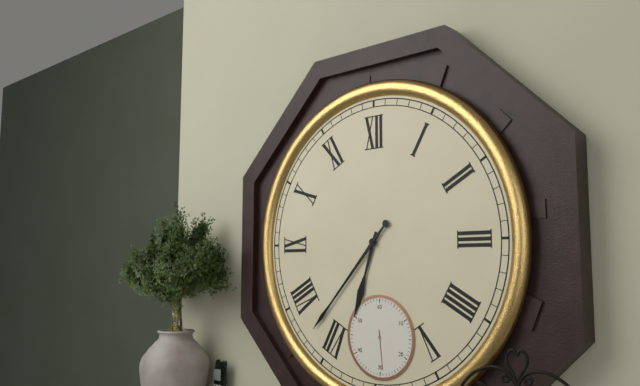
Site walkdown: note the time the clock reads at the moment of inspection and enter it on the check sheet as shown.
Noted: 6:37
